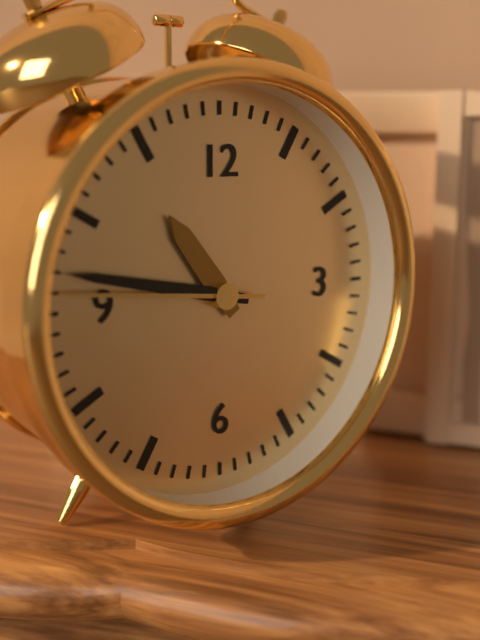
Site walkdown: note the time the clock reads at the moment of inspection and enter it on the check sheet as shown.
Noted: 10:47:46
